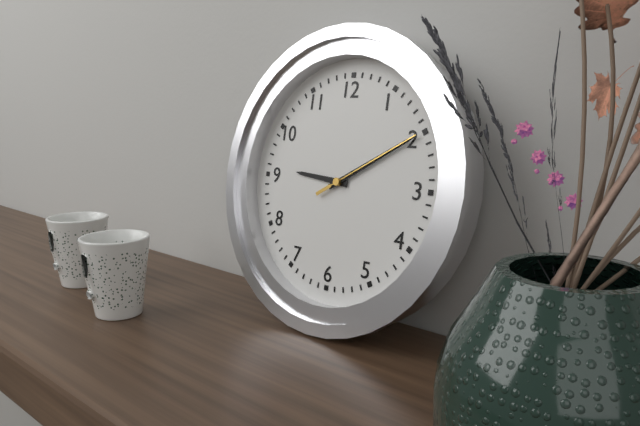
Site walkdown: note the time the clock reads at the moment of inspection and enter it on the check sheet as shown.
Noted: 9:10:10
